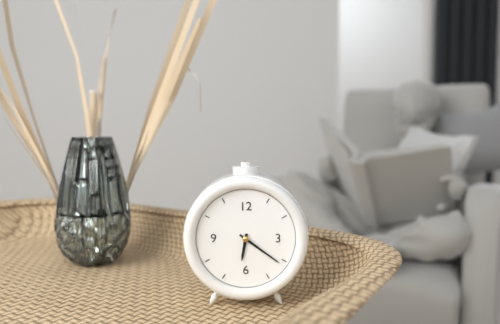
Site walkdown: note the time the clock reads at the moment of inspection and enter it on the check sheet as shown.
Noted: 6:21
